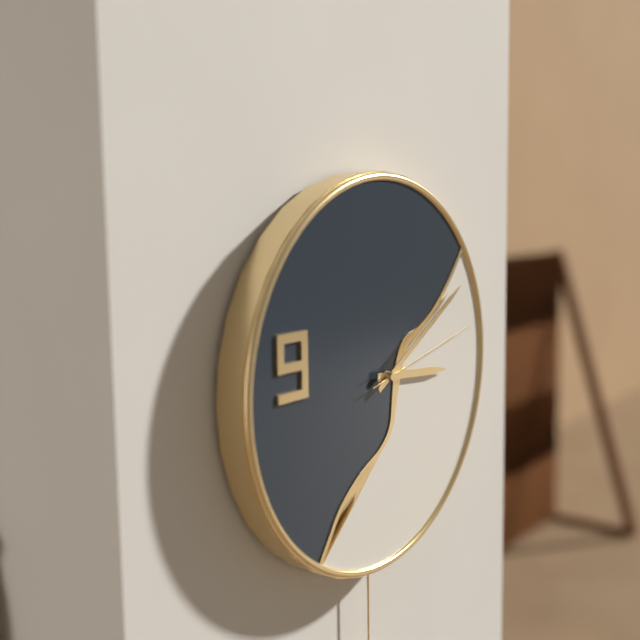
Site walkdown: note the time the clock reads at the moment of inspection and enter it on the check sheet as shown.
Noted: 3:10:13
